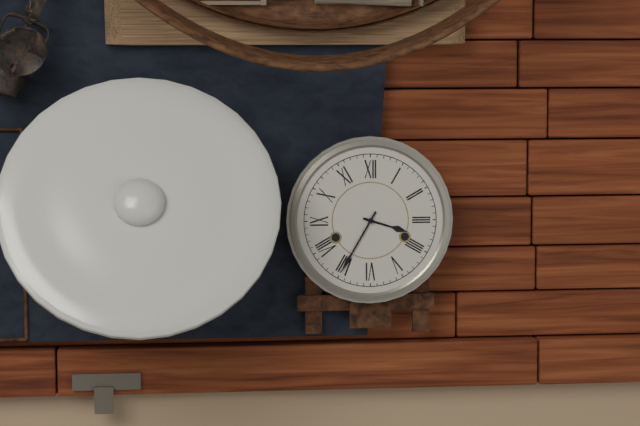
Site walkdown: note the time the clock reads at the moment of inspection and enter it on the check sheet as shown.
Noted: 3:35
